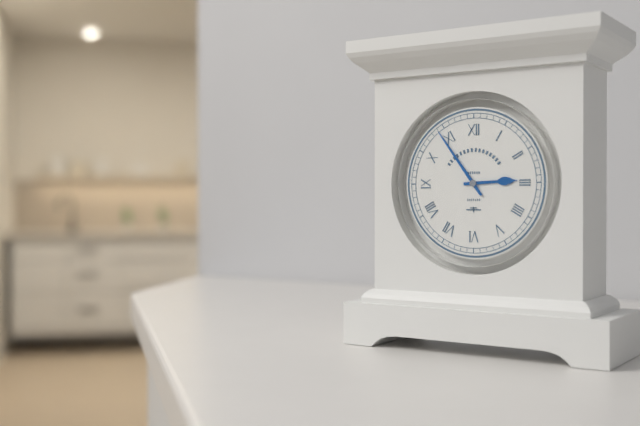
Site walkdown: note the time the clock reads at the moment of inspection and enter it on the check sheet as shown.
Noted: 2:54
